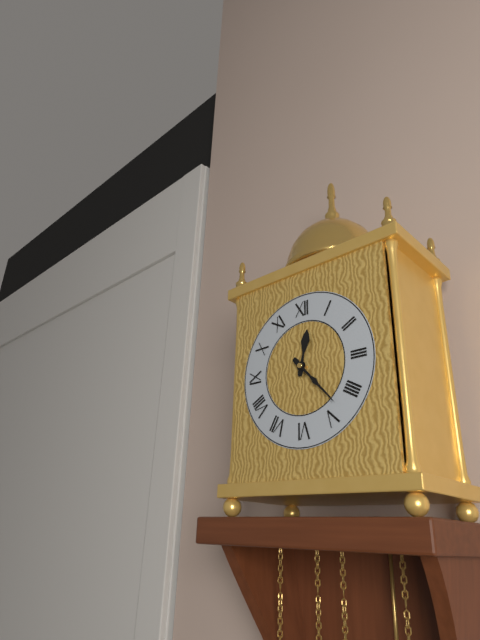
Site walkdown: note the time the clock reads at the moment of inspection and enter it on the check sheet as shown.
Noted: 12:23
